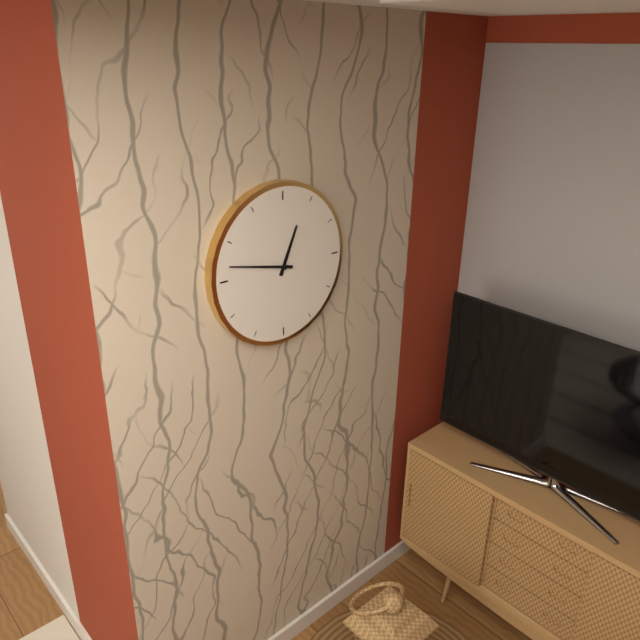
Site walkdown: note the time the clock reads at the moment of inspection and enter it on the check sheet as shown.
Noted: 12:47
